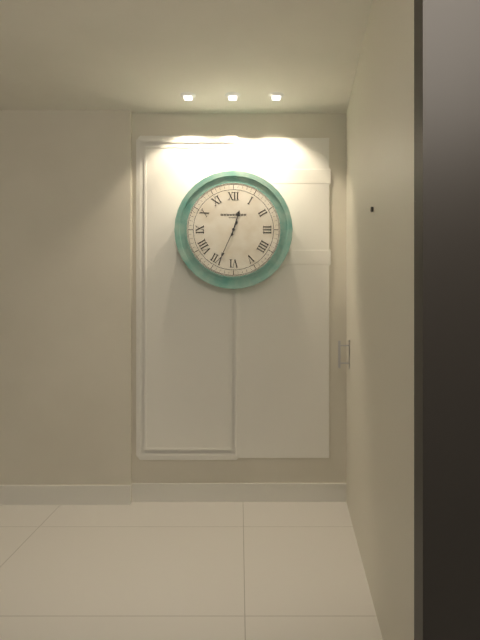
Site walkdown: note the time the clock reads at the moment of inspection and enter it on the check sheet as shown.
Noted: 12:34
